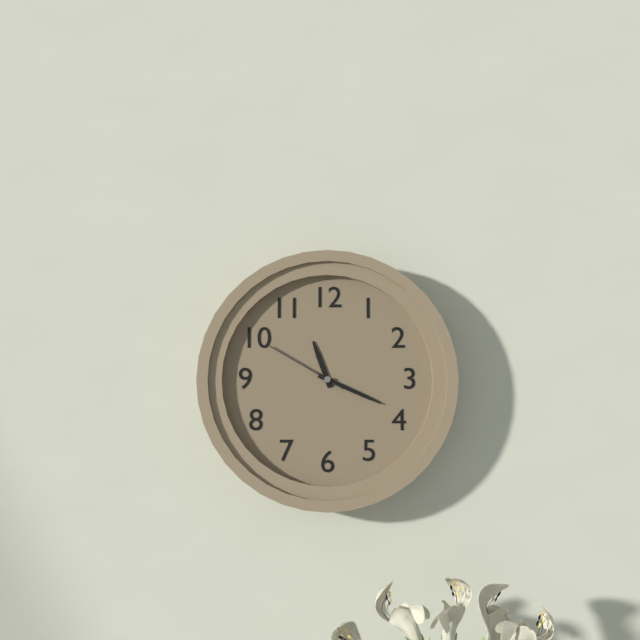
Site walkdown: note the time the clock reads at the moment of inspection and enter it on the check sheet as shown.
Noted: 11:19:50
